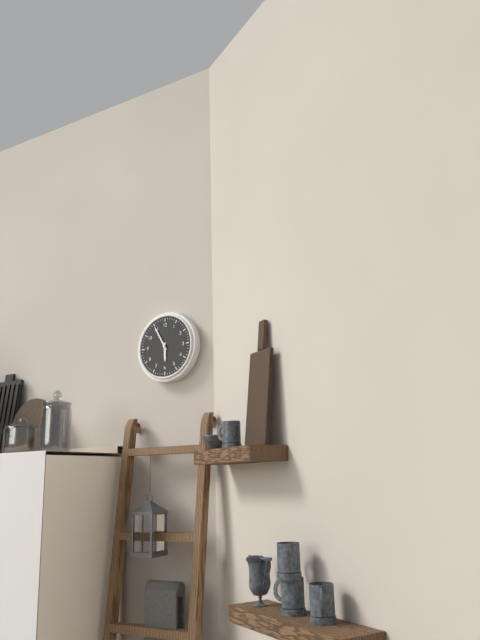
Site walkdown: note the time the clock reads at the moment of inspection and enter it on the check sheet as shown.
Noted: 5:55
